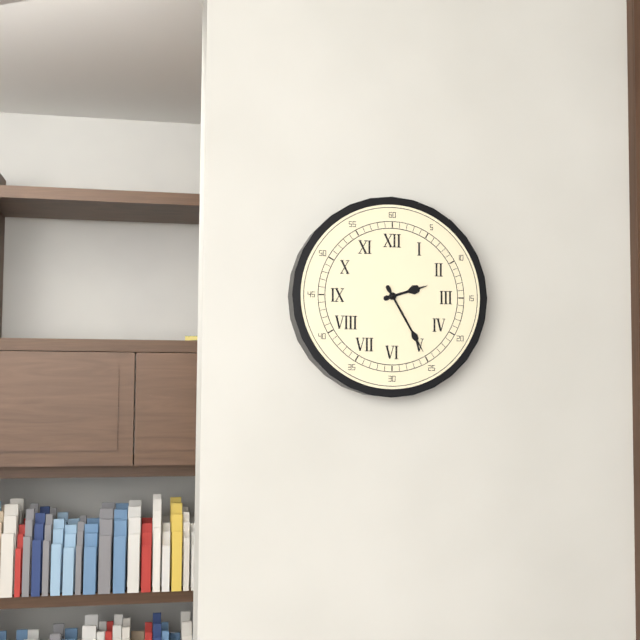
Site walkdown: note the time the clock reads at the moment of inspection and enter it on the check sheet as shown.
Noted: 2:25
